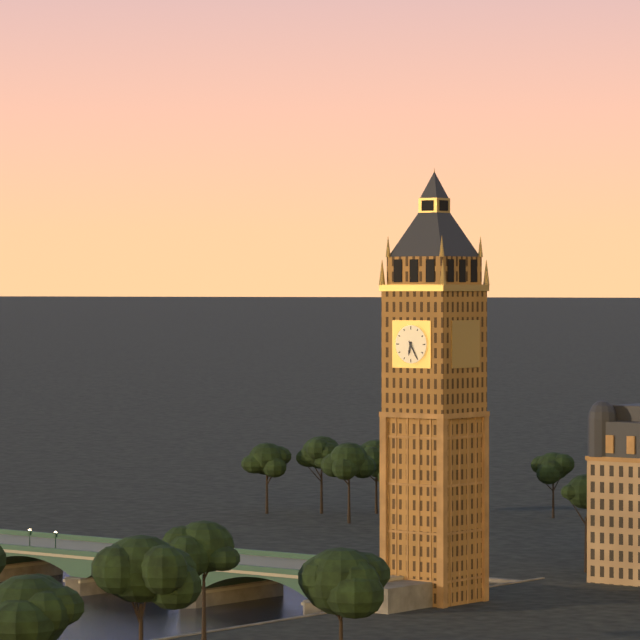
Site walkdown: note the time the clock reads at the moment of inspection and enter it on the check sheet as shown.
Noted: 6:25
